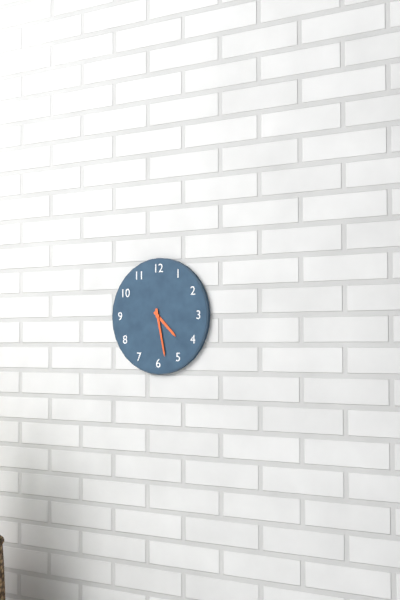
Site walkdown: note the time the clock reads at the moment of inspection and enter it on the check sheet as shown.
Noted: 4:28
